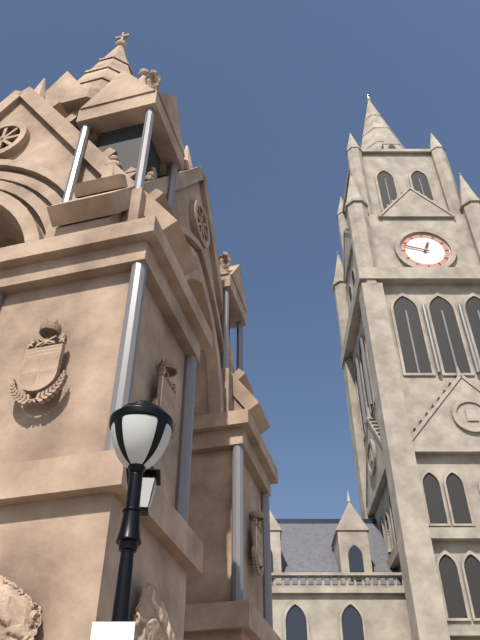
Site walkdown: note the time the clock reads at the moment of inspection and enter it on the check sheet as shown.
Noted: 12:48
